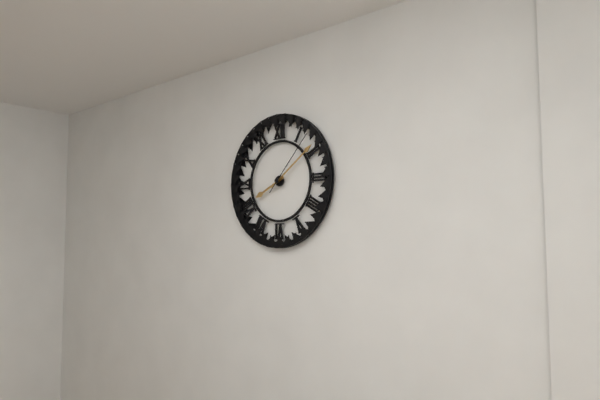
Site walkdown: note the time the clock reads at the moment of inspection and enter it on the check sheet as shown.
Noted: 8:09:07
